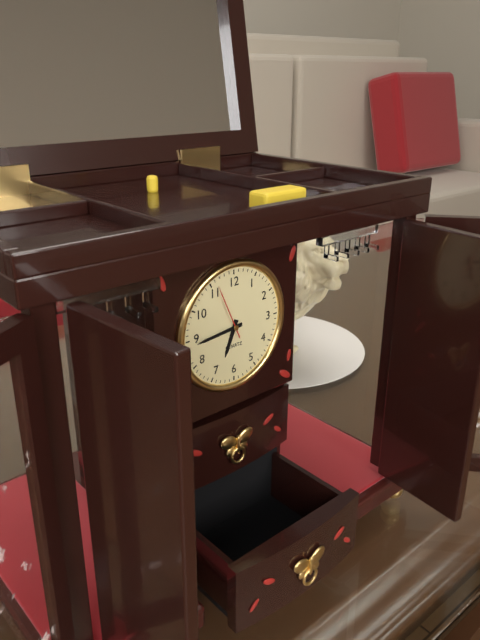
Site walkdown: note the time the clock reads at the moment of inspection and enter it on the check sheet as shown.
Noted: 6:44:56
